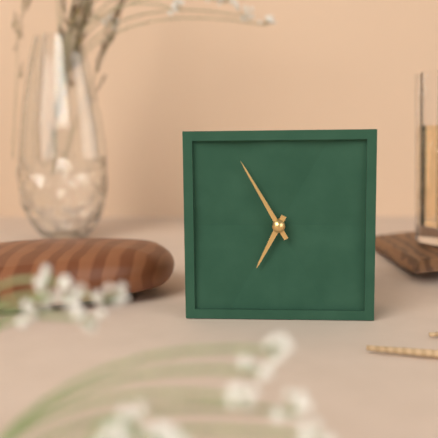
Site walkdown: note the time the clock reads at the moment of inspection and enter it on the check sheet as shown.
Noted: 6:55
